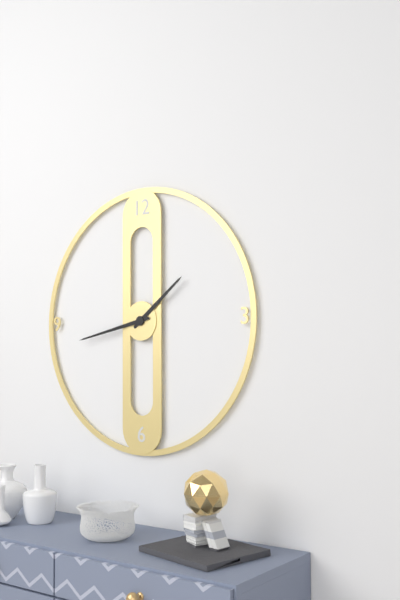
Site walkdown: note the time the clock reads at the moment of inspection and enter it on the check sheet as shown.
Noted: 1:43
